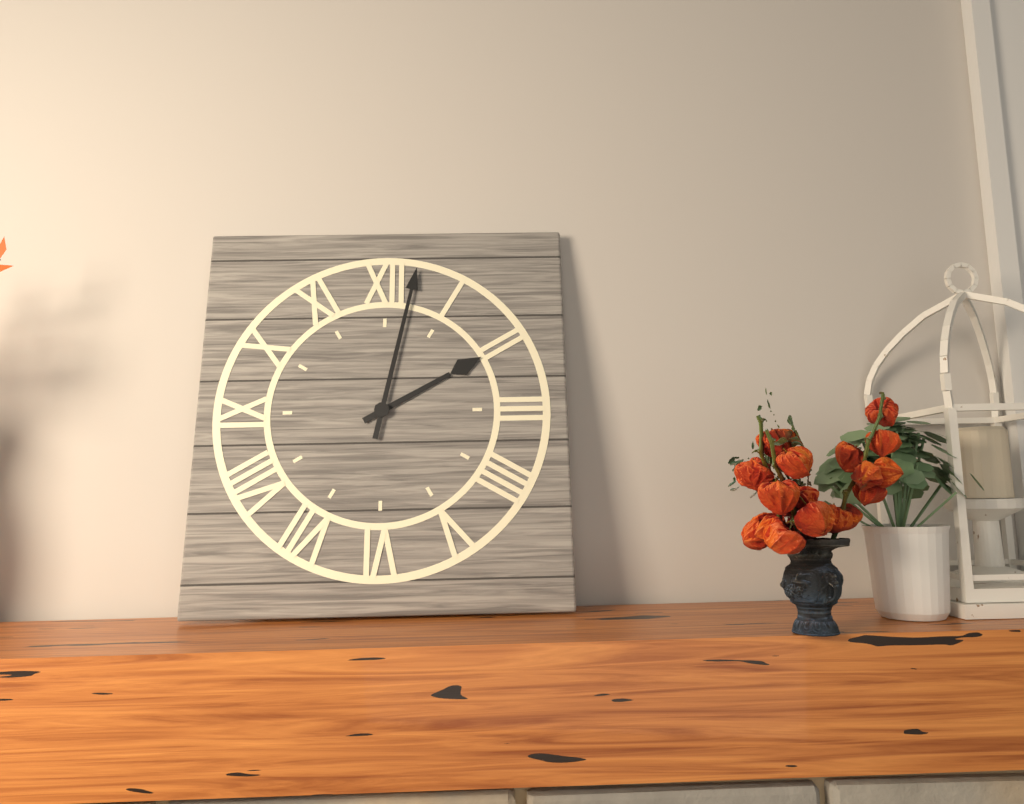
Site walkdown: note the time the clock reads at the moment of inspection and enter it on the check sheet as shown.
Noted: 2:02
